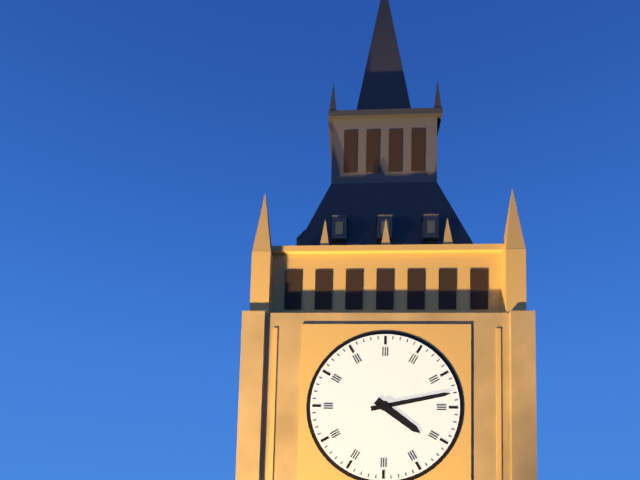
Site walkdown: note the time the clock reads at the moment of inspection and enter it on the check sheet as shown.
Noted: 4:13
